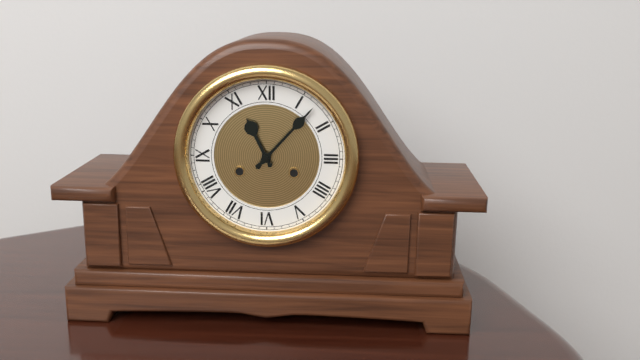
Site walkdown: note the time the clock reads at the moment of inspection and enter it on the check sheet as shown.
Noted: 11:07
